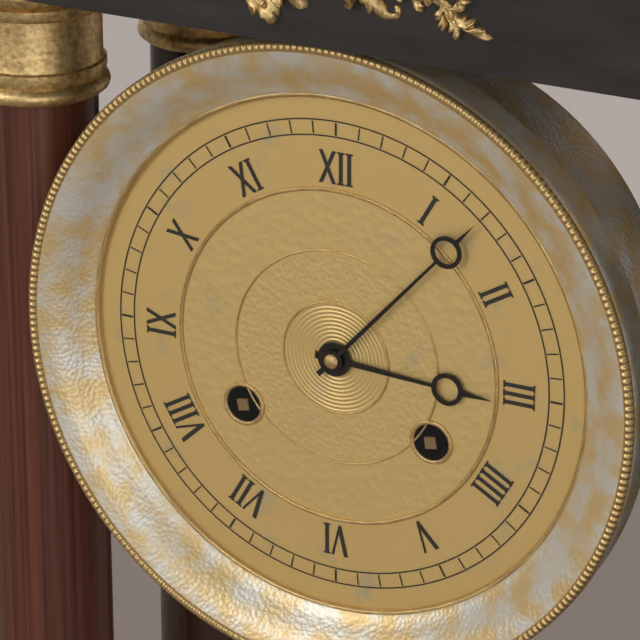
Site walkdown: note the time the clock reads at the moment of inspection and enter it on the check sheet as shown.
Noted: 3:07
